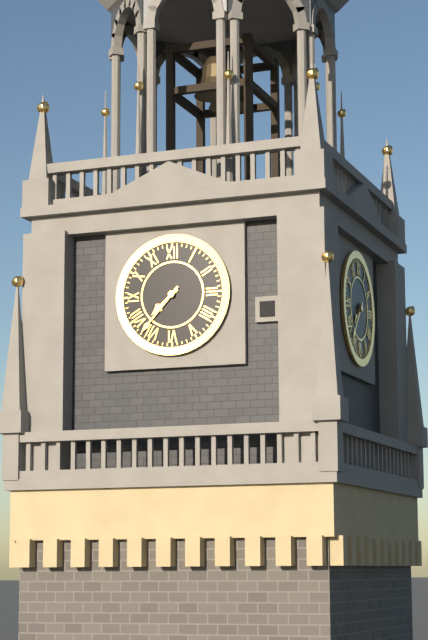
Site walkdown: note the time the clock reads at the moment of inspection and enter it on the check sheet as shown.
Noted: 7:37
